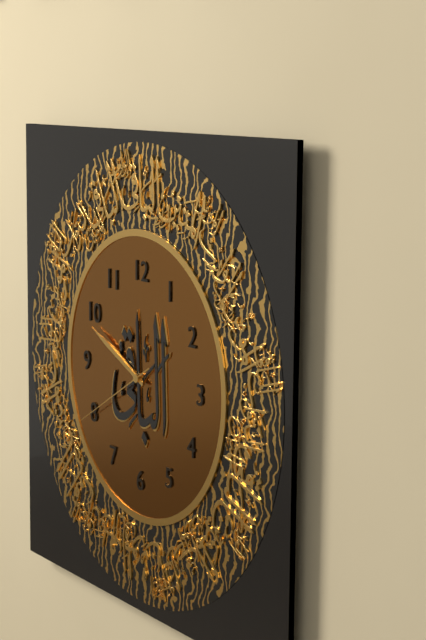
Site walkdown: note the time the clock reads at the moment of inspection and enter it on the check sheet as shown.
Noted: 9:49:40
